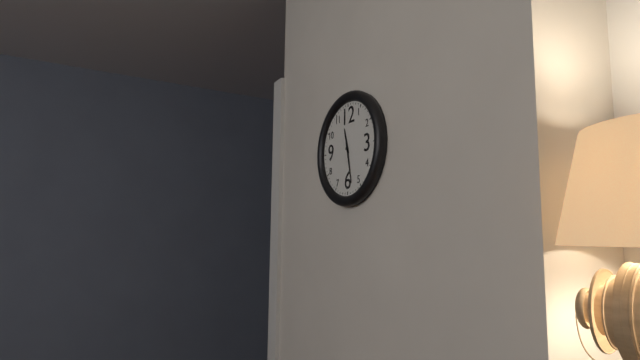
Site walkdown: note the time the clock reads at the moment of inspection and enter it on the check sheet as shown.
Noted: 11:28
